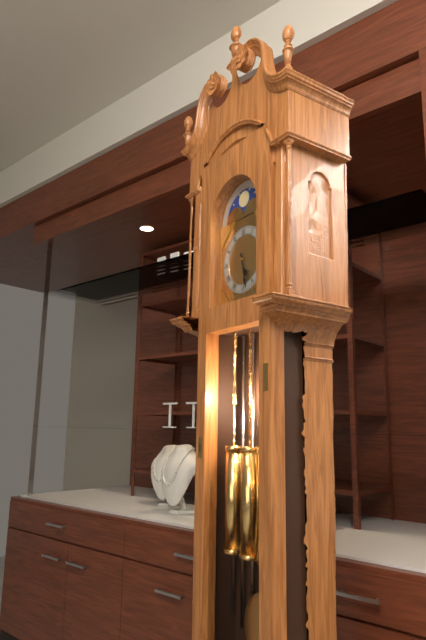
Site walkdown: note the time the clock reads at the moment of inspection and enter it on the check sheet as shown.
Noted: 5:28
